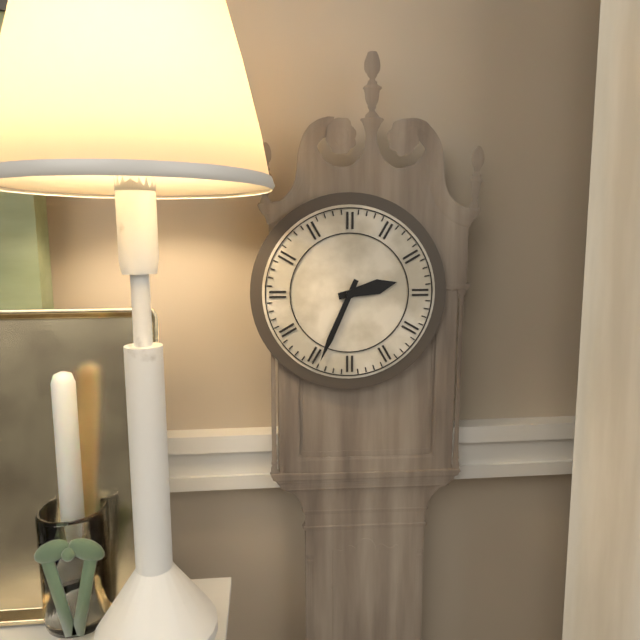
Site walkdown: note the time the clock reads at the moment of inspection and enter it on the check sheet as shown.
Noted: 2:34
